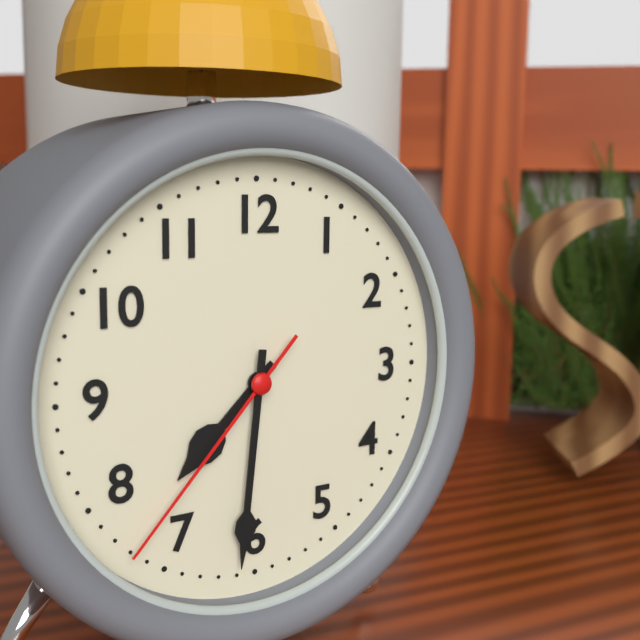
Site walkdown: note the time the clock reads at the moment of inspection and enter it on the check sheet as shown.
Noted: 7:31:37
